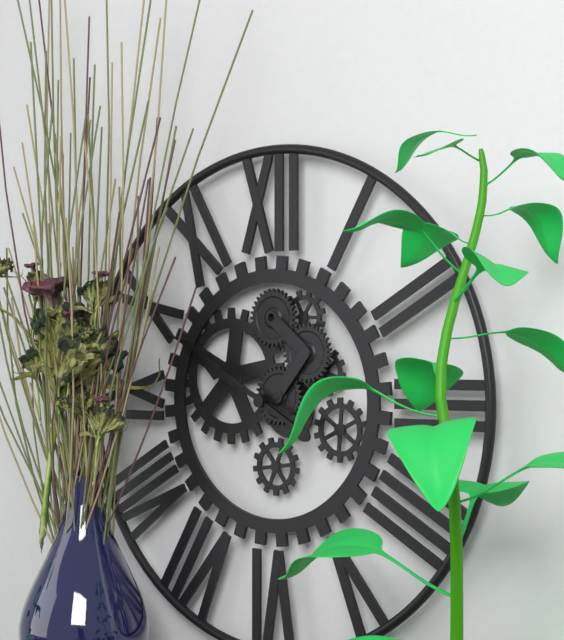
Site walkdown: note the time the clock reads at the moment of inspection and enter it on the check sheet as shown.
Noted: 9:50
